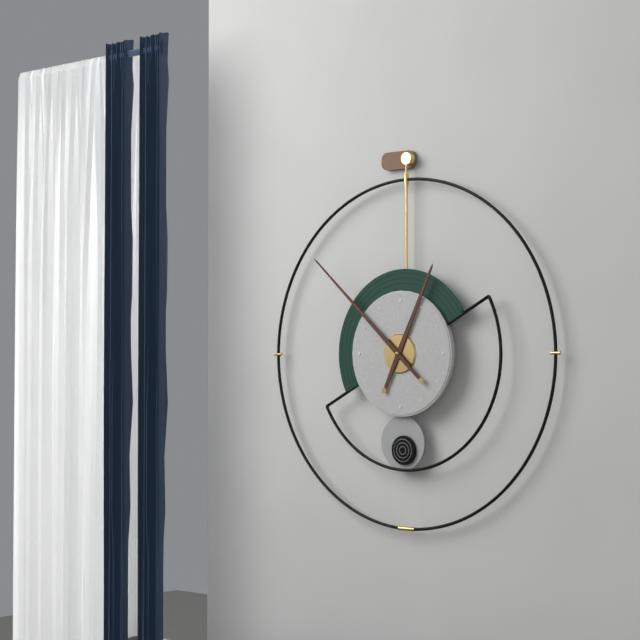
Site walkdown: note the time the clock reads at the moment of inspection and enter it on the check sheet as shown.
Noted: 12:52
